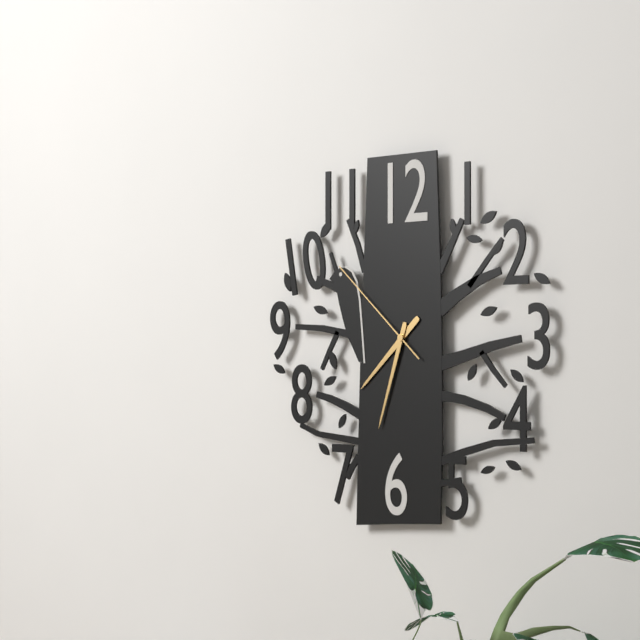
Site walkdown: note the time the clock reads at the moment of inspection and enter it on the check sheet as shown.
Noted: 7:33:52
